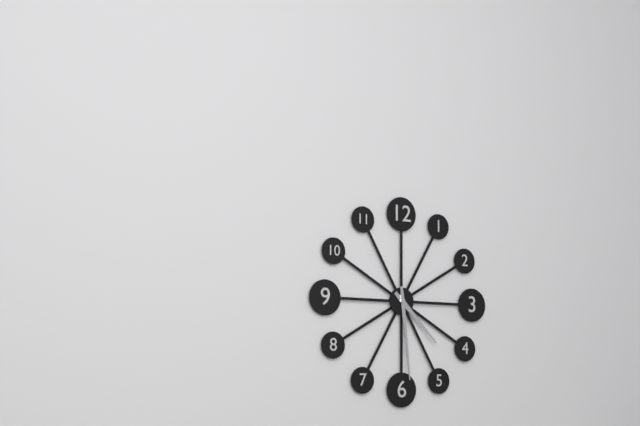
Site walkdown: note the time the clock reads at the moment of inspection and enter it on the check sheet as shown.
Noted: 4:29
